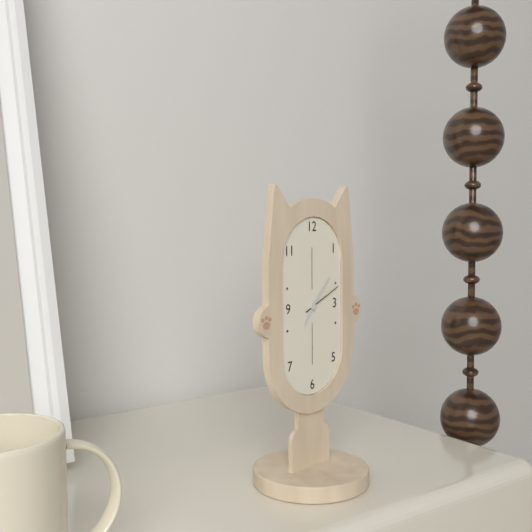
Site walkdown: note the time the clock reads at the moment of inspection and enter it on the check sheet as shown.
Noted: 7:07
